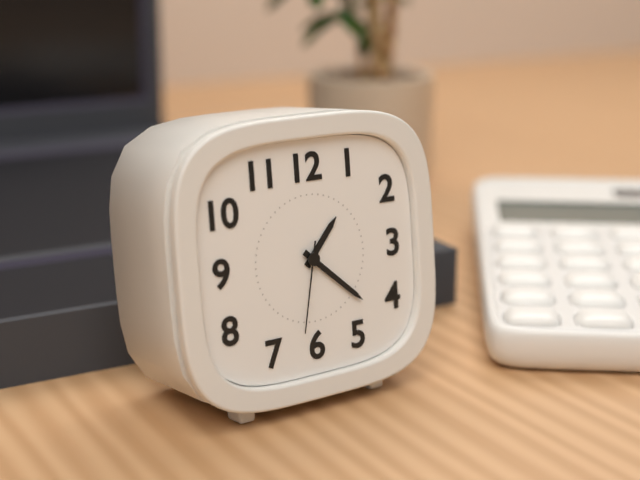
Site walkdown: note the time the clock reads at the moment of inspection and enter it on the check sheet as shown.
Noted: 1:22:32
